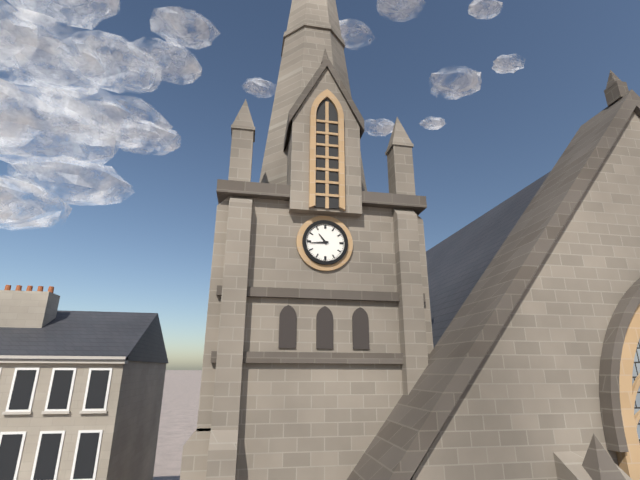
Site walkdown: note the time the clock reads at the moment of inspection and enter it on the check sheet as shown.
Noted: 10:44
